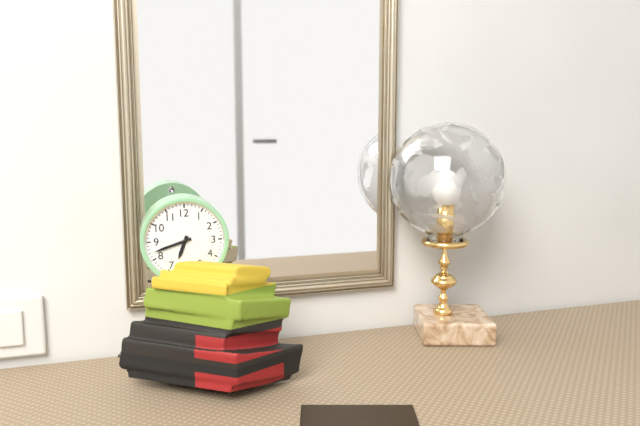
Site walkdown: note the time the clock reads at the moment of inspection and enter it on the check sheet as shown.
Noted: 6:42
